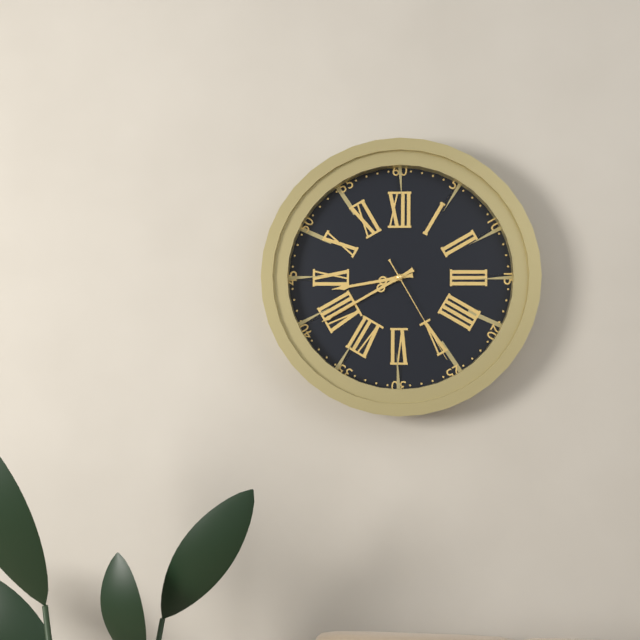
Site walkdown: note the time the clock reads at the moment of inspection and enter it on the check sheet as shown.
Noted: 8:40:25
